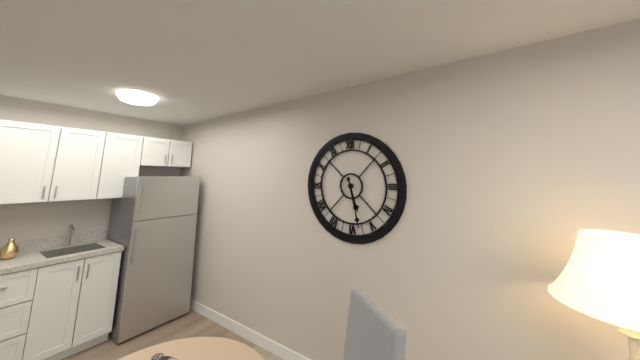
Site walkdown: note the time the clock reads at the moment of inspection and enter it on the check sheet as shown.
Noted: 5:28
